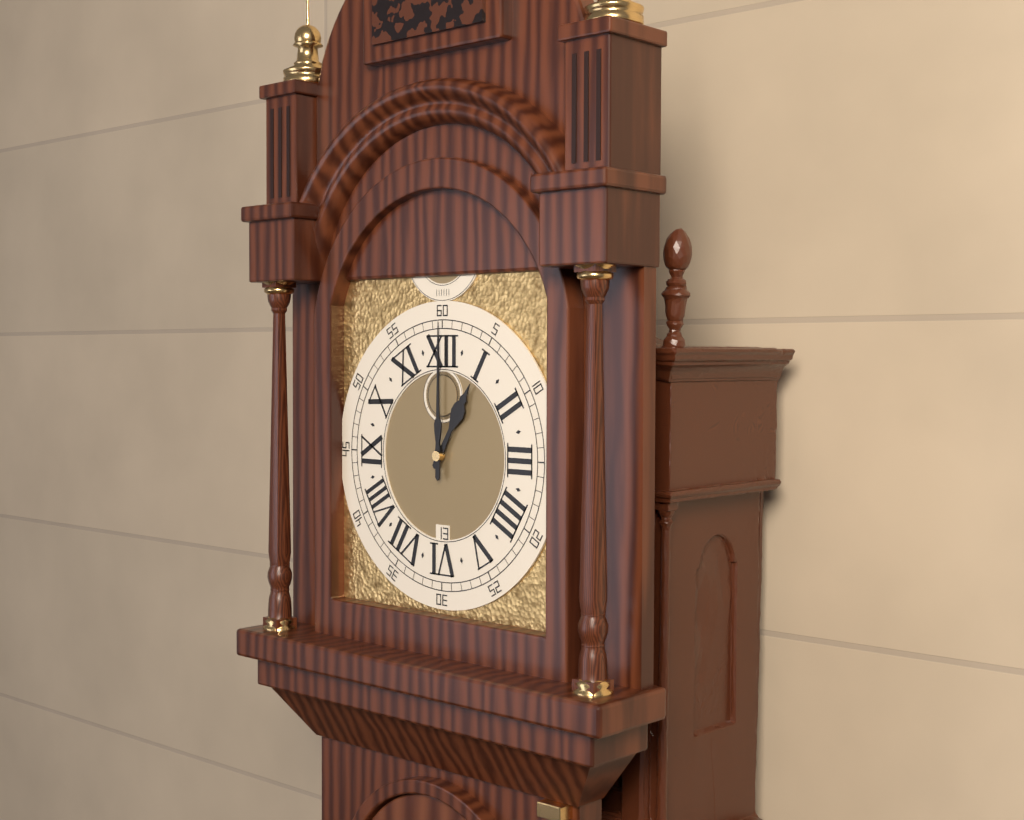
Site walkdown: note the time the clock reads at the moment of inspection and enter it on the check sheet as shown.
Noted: 1:00
